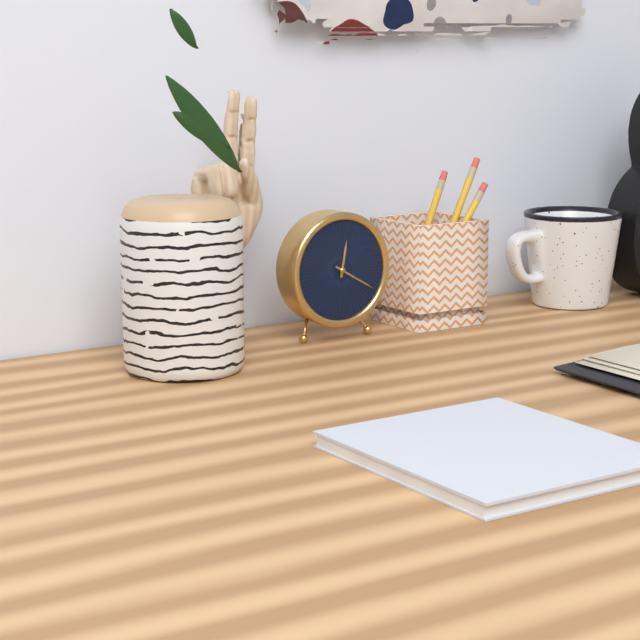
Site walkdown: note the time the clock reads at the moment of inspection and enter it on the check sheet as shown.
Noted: 12:20
